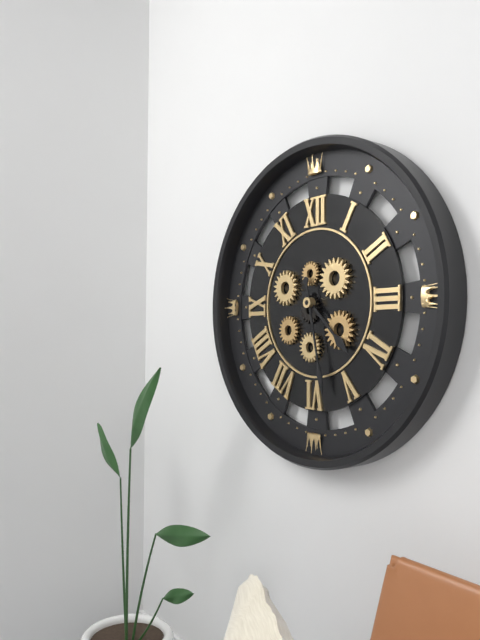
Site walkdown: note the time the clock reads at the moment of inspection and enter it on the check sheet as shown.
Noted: 4:28
